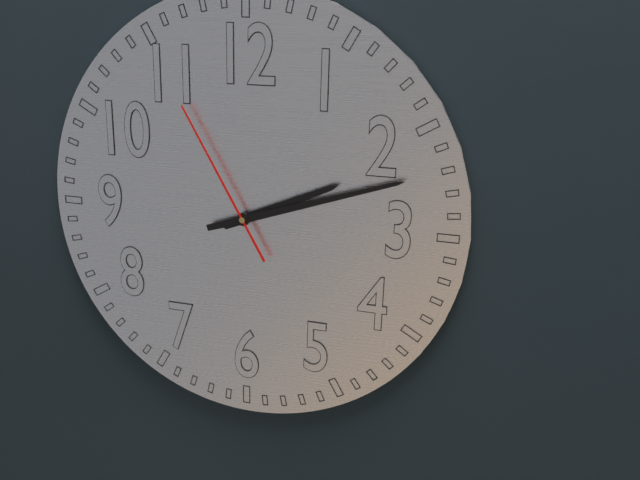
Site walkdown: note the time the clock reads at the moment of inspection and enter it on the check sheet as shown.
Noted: 2:12:55
